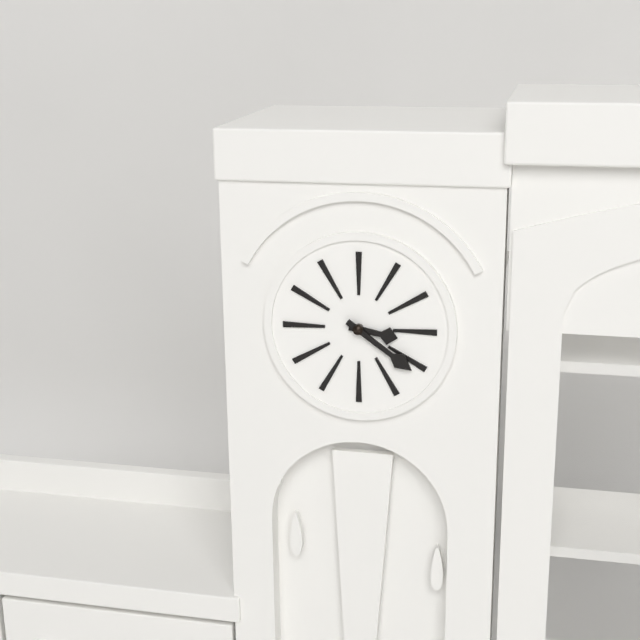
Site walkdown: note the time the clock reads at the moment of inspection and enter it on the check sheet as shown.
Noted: 3:21
